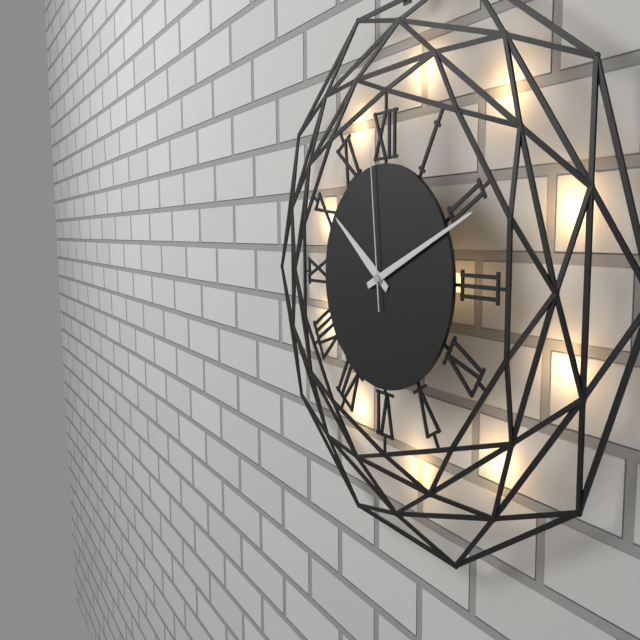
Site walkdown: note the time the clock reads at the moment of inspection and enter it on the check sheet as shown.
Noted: 10:11:59
